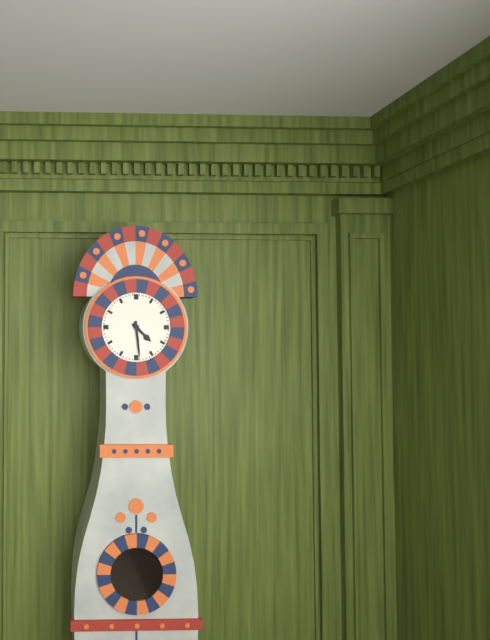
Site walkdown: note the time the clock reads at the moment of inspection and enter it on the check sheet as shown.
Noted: 4:29
